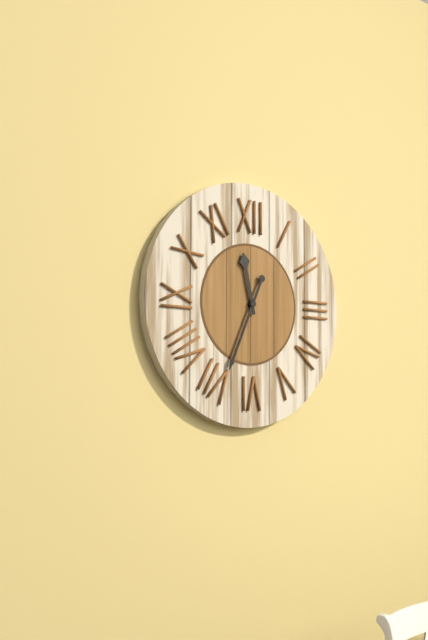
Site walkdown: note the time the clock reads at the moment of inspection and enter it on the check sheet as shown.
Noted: 11:34
